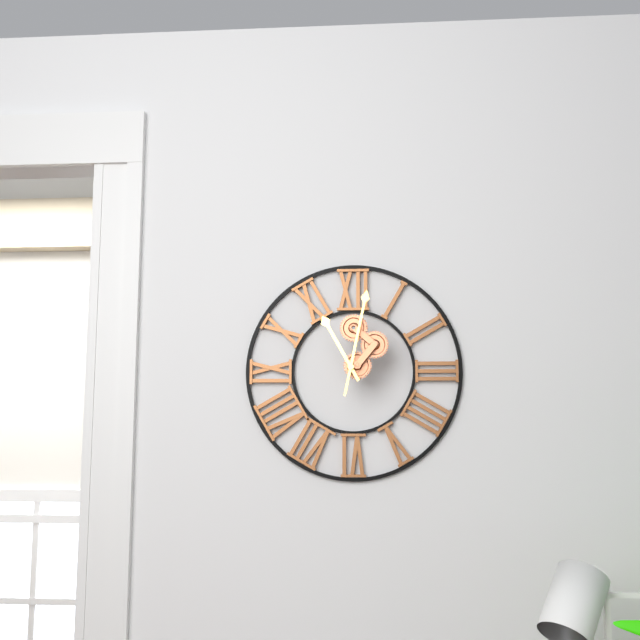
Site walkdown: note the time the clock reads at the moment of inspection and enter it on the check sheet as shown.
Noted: 11:02
